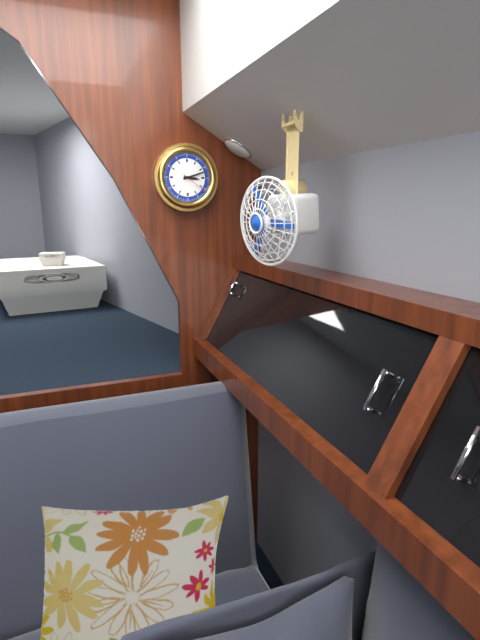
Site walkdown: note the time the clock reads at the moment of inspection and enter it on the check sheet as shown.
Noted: 3:12
